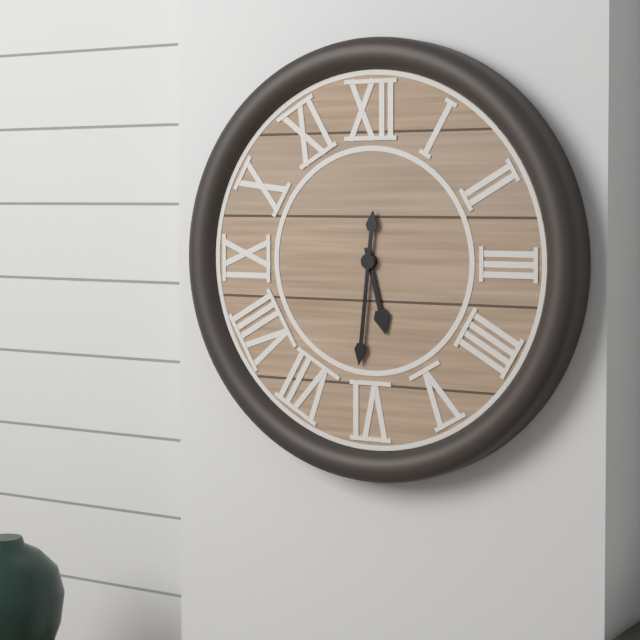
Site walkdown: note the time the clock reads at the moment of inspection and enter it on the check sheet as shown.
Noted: 5:31
